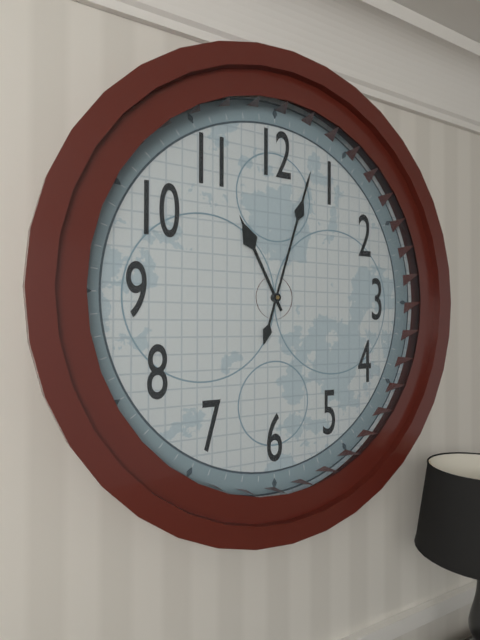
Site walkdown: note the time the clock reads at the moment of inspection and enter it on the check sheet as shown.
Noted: 11:03
